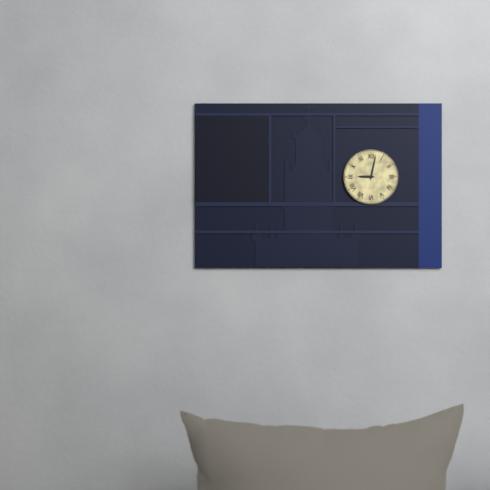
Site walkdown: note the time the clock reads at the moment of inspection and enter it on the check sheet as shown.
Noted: 9:02
